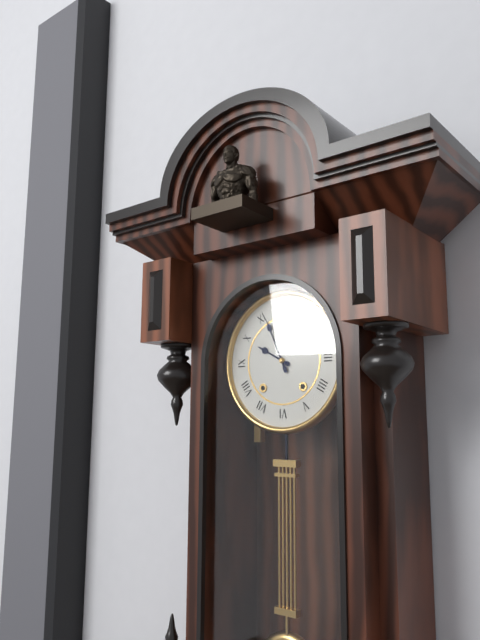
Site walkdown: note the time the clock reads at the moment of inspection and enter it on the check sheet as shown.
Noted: 9:56
